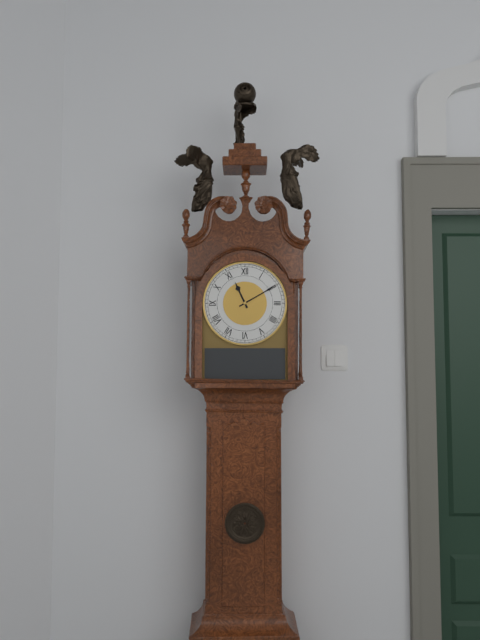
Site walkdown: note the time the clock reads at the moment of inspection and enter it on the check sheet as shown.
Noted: 11:10
